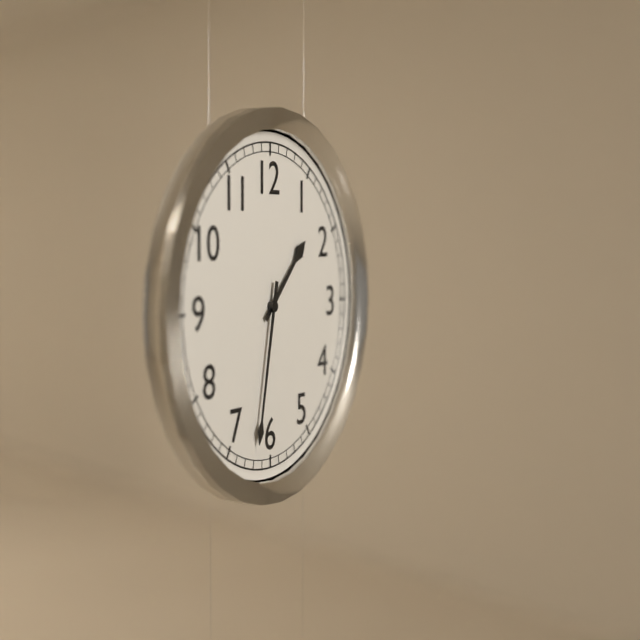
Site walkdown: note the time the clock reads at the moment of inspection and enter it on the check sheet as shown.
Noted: 1:32
